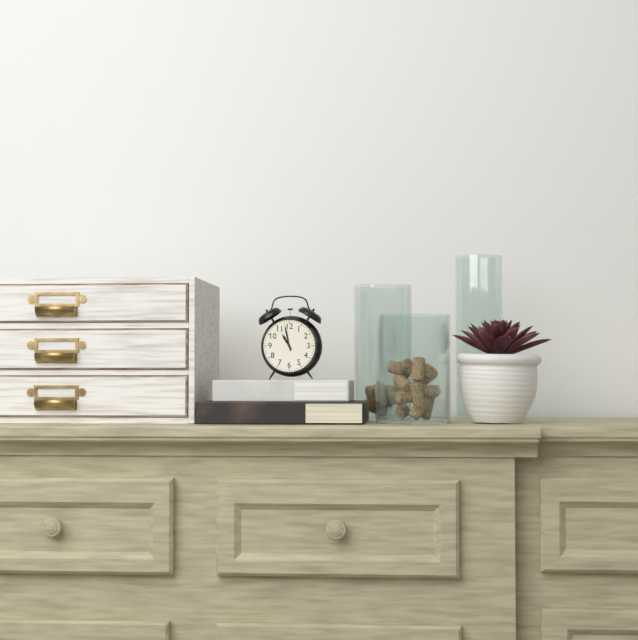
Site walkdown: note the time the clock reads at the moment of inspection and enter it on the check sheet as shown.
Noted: 10:58
